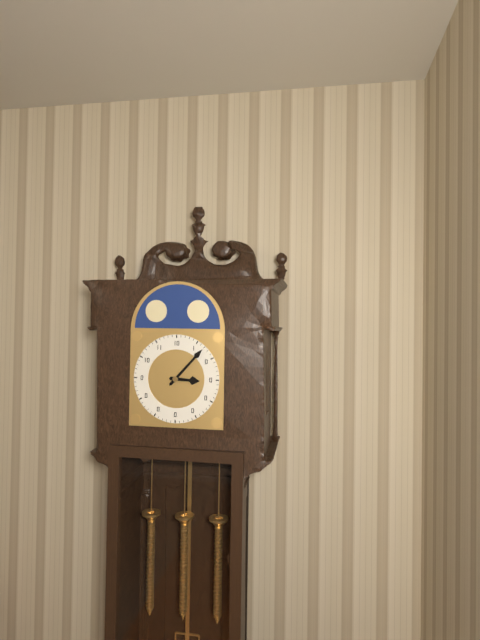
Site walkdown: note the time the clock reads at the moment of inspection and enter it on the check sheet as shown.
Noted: 3:07
